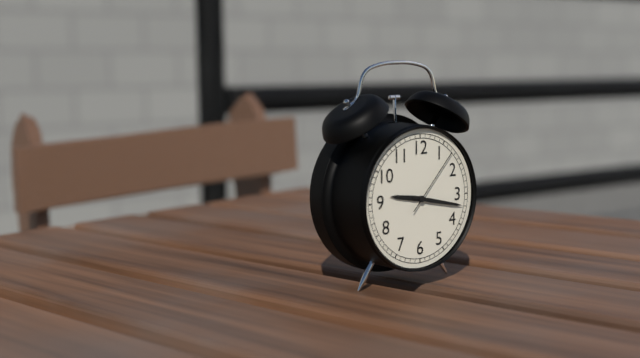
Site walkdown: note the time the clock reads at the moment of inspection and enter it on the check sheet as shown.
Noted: 9:17:07
